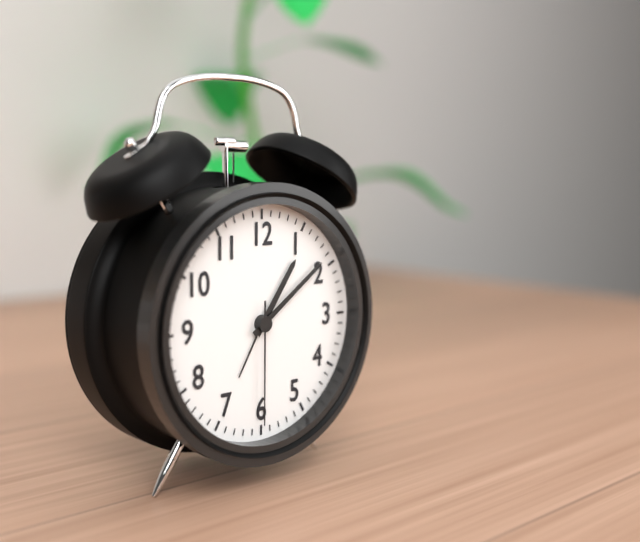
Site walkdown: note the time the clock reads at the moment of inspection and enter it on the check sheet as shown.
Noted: 1:09:30
